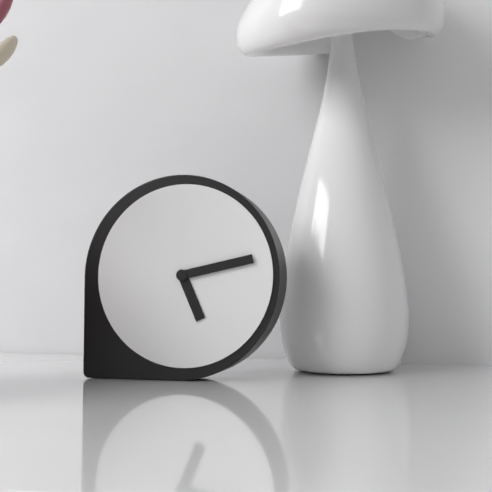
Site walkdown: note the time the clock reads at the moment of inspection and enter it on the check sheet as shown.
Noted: 5:13
